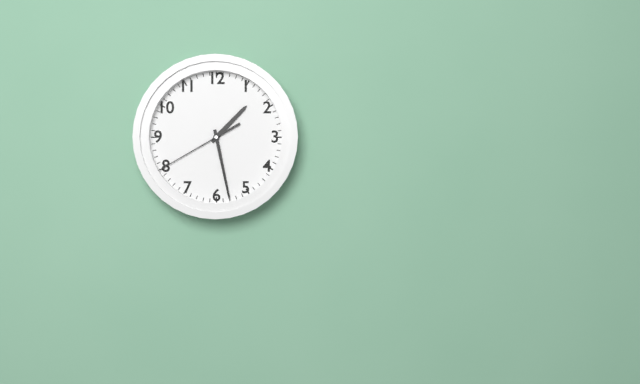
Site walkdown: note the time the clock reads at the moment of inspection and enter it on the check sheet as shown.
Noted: 1:28:40
